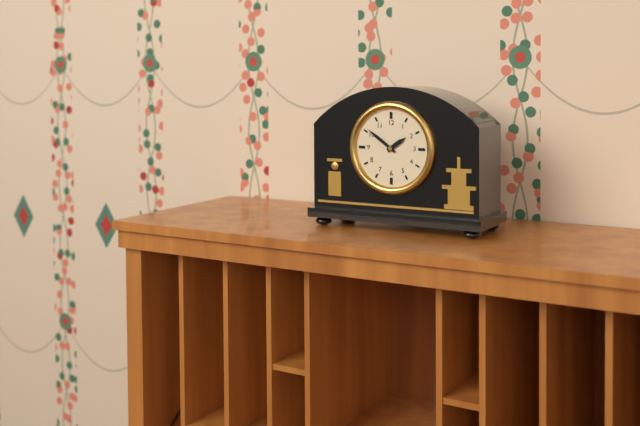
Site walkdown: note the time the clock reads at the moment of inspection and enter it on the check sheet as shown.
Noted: 1:51
